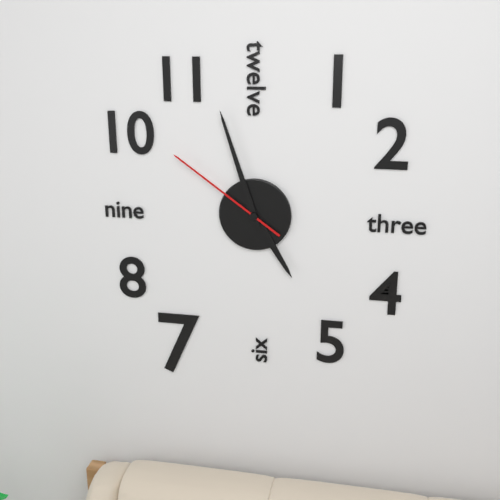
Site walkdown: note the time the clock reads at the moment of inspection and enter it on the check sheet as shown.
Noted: 4:57:51
